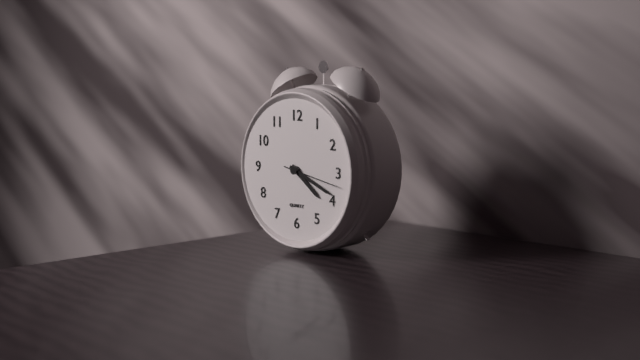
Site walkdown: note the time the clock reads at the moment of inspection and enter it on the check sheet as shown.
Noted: 4:19:17
